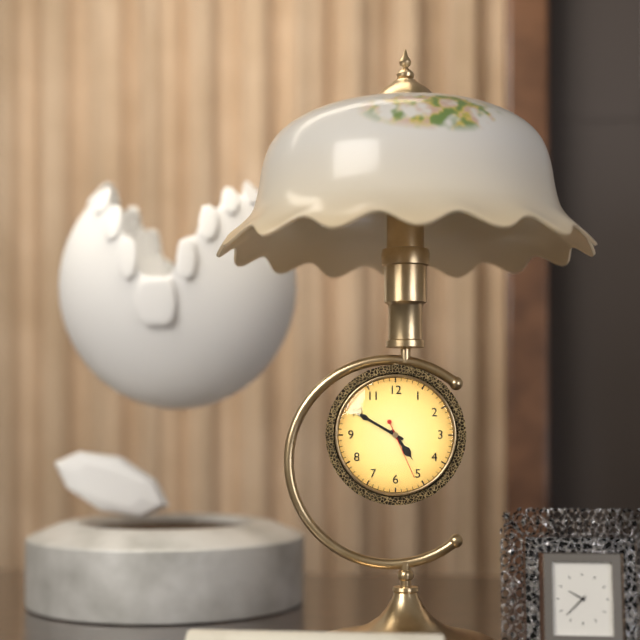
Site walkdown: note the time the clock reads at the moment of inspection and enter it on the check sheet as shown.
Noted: 4:50:26
